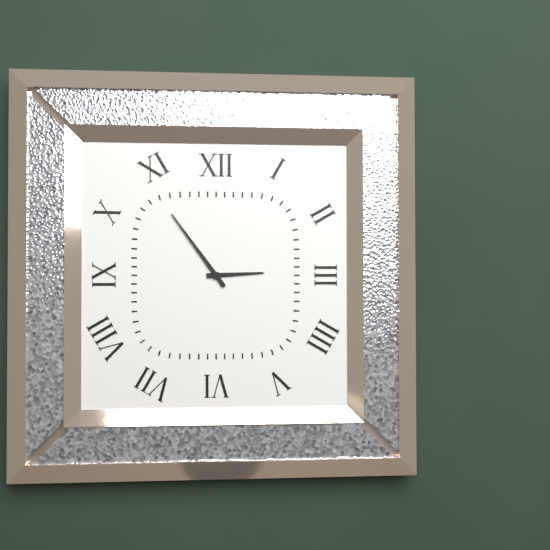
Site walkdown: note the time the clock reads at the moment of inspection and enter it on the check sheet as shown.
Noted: 2:54
